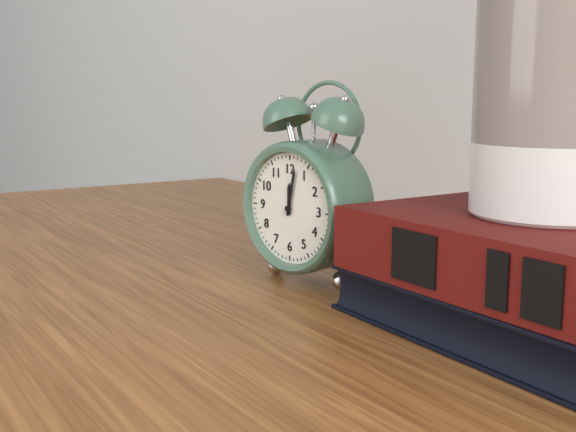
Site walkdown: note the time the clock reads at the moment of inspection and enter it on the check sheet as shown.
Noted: 12:02
